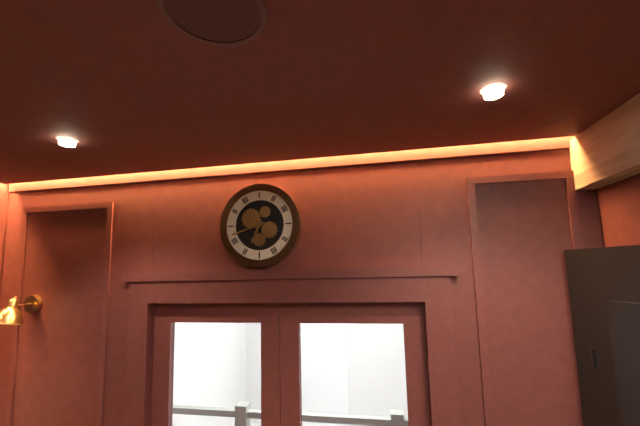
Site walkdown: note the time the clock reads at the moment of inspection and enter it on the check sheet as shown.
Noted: 6:42
